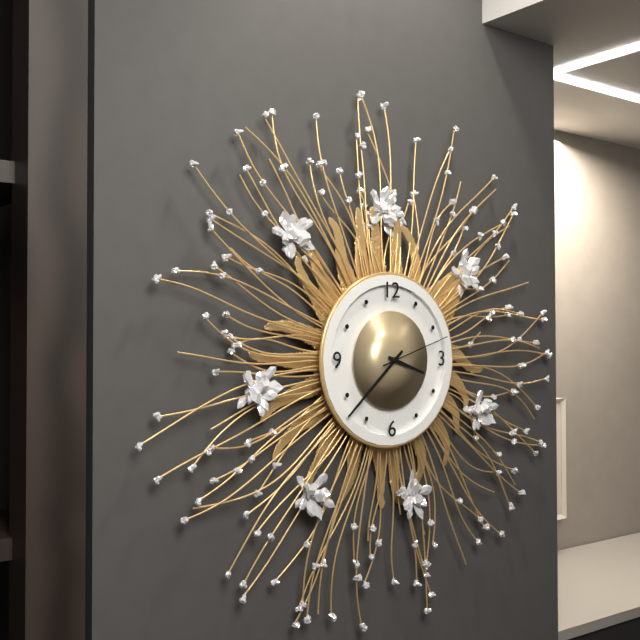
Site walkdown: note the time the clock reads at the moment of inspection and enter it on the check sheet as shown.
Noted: 3:38:12
